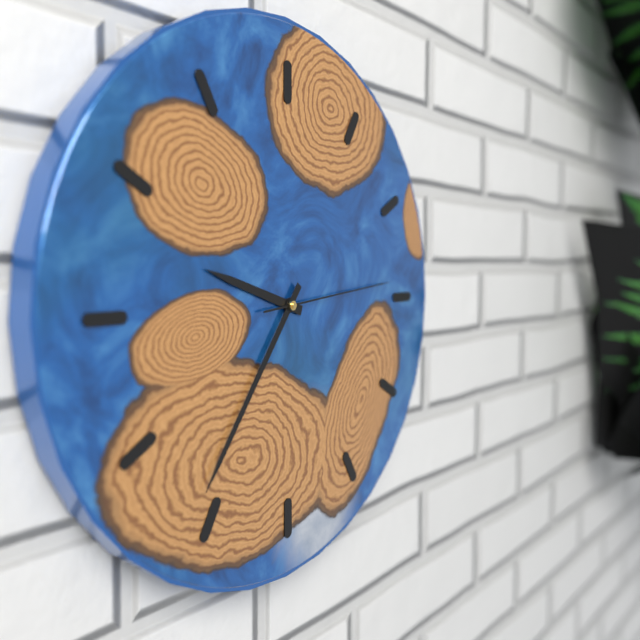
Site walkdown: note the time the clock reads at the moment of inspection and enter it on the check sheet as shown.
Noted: 9:36:14
